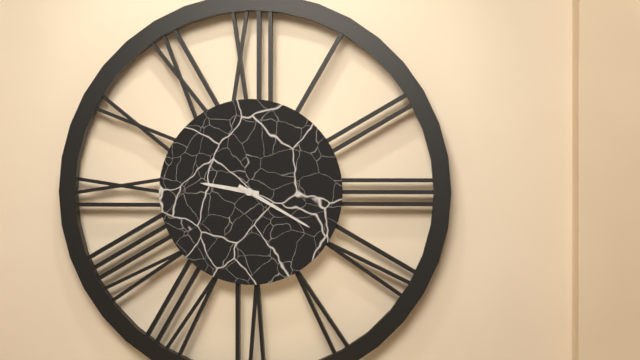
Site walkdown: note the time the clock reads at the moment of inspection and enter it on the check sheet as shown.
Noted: 9:20
